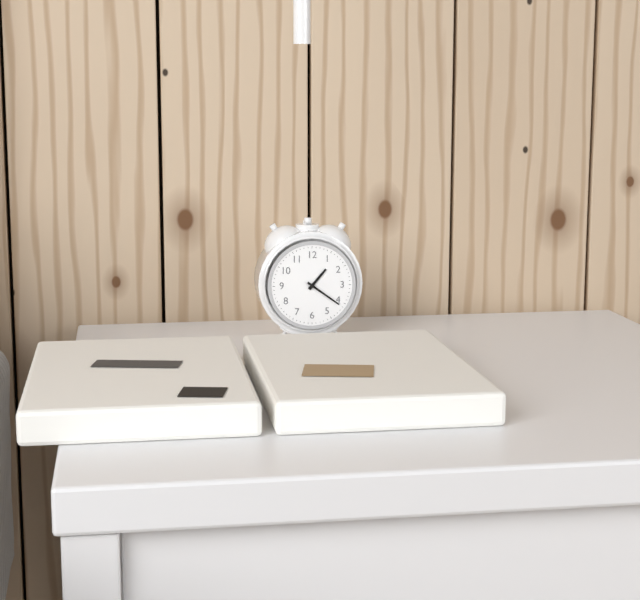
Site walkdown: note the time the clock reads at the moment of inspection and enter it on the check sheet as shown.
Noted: 1:21
